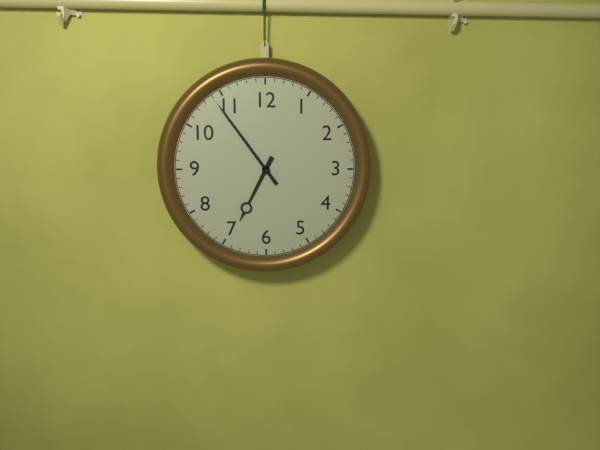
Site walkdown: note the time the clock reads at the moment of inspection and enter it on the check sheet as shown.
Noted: 6:54
